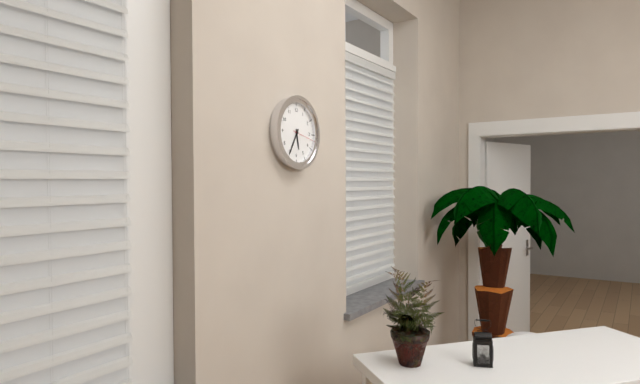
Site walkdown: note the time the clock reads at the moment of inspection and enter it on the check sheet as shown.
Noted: 5:35
